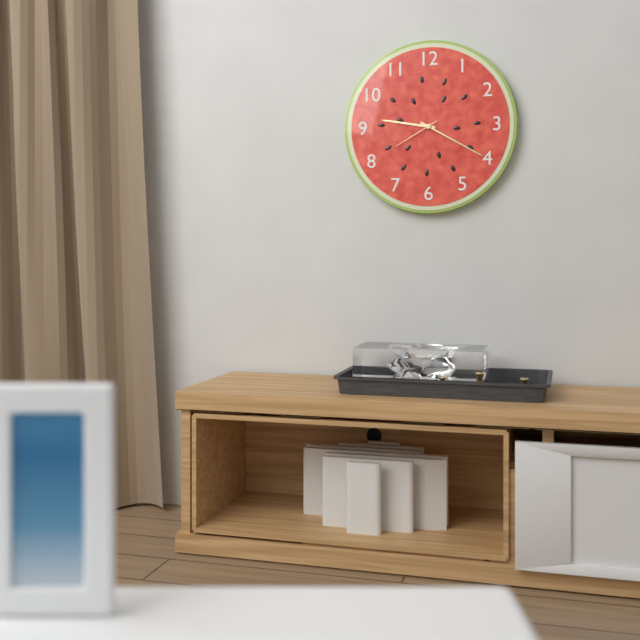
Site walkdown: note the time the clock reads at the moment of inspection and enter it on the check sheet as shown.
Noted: 9:20
